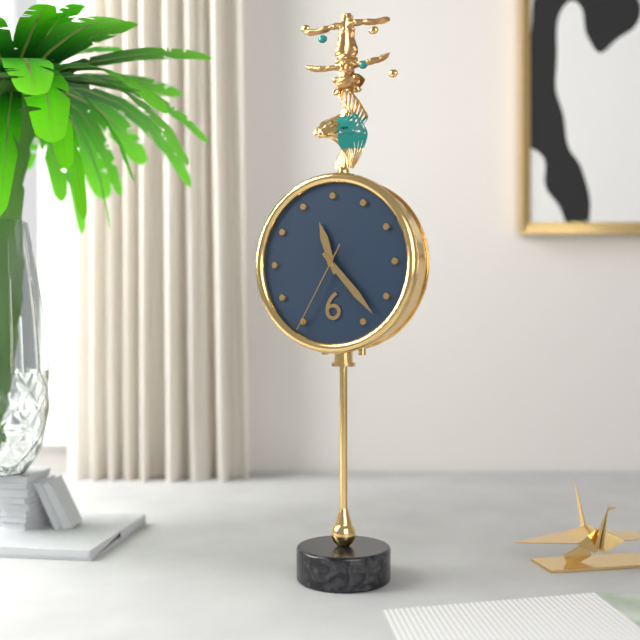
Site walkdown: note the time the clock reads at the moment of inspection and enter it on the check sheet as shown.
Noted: 11:23:35
